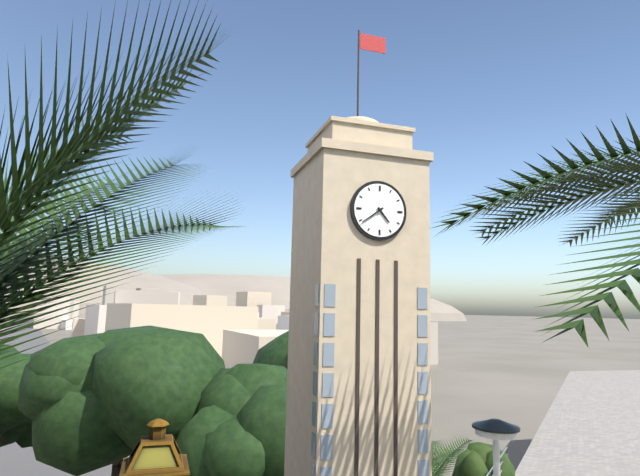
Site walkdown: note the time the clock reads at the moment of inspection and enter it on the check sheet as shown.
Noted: 4:39
